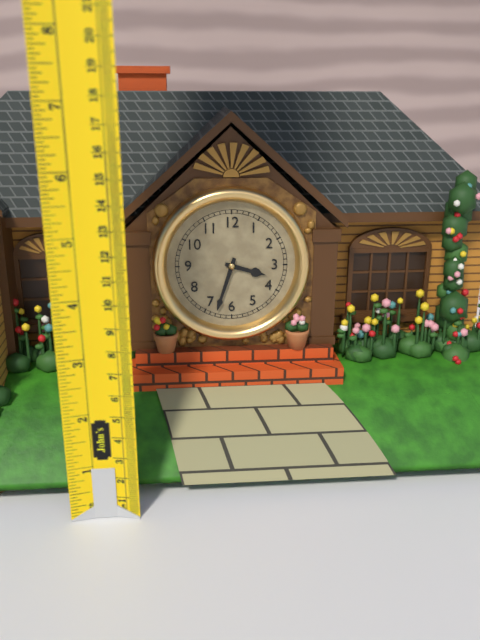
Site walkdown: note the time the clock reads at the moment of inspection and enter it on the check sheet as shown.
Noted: 3:33
